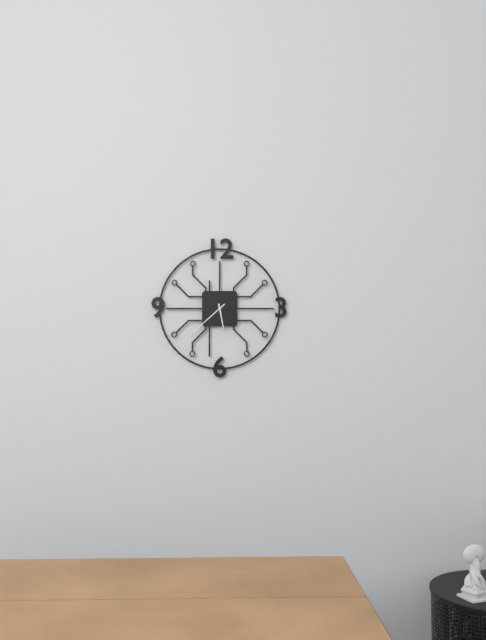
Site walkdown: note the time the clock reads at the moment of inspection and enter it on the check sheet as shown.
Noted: 5:38
